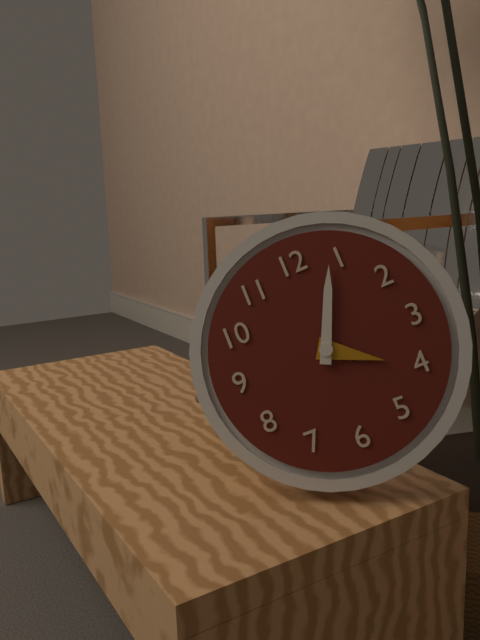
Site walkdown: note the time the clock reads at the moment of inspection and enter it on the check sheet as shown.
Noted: 4:04
